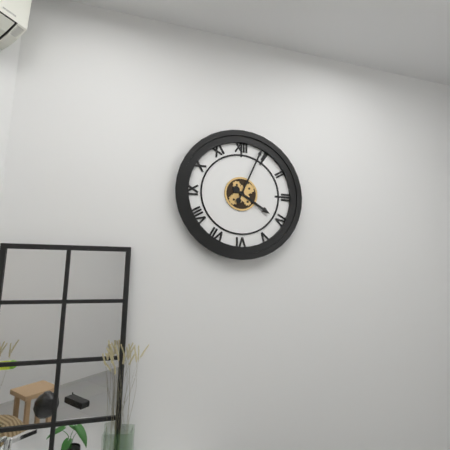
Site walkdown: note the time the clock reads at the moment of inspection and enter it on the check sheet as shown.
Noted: 4:04
